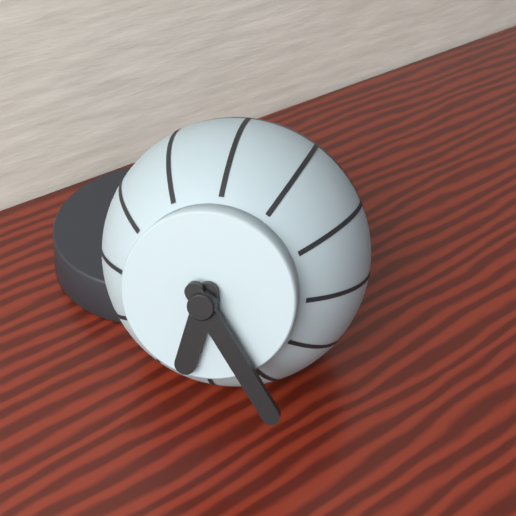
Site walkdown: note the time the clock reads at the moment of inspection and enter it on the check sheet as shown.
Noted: 6:24
